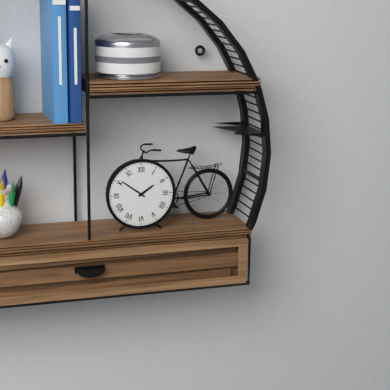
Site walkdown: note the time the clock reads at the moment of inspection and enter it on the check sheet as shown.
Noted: 1:51
